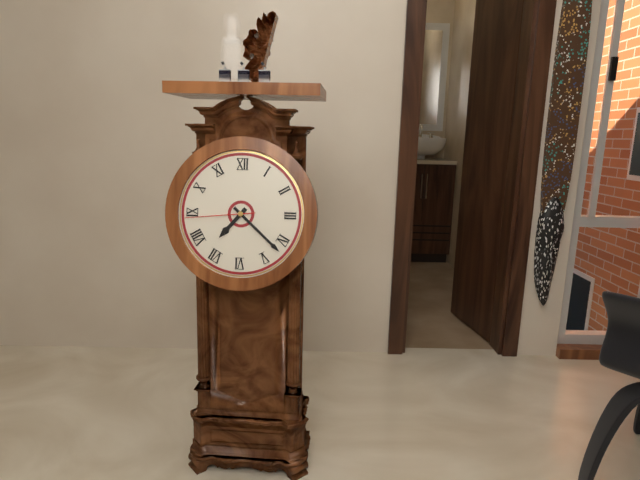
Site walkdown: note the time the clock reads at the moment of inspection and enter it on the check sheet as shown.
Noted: 7:22:44
